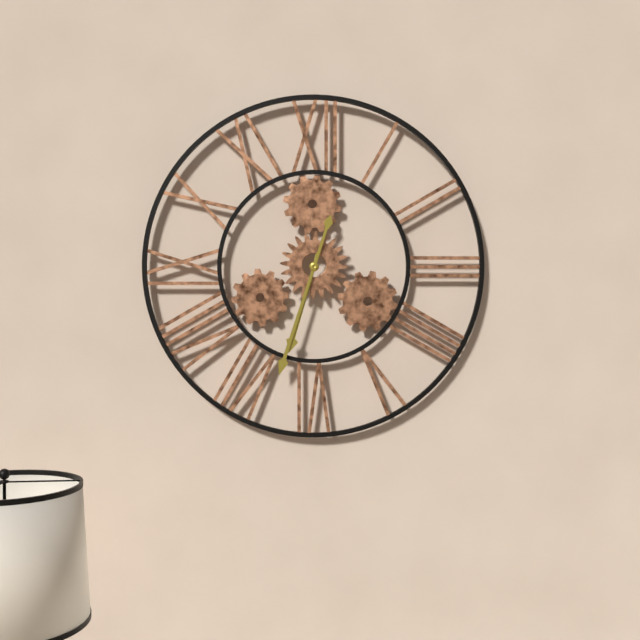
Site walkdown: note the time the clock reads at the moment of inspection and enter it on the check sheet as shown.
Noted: 6:33
